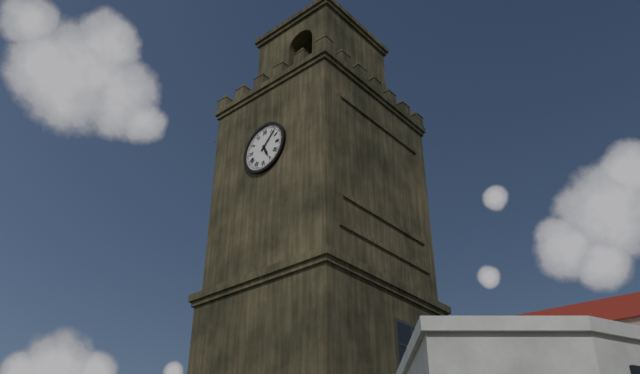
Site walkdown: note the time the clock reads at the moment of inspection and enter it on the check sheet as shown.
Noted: 5:07
